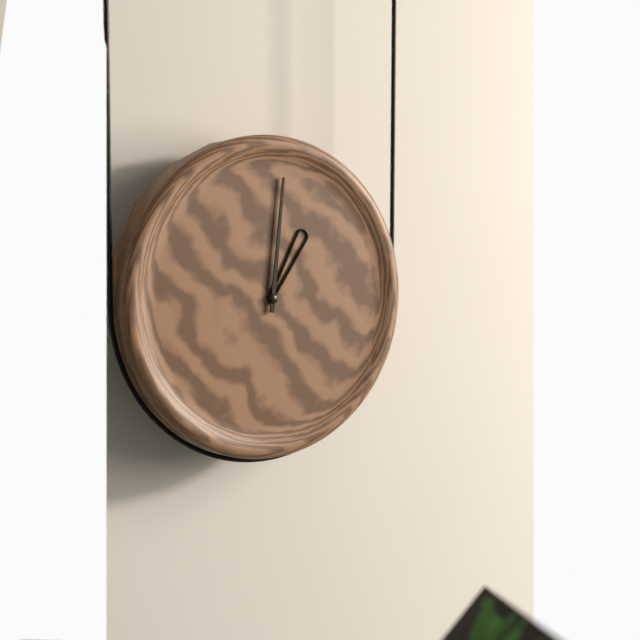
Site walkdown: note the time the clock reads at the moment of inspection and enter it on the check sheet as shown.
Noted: 1:01
